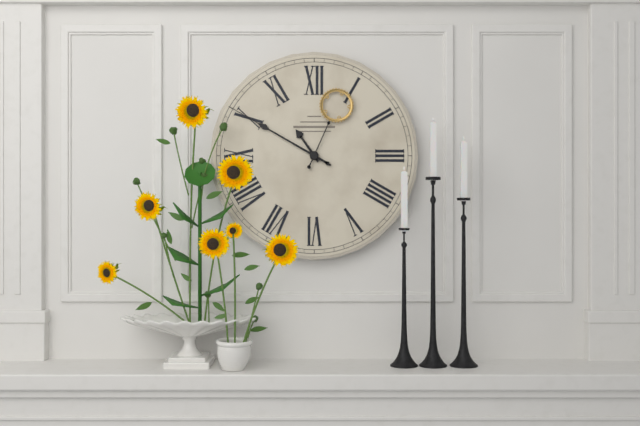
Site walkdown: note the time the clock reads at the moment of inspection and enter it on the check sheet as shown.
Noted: 10:50:04
